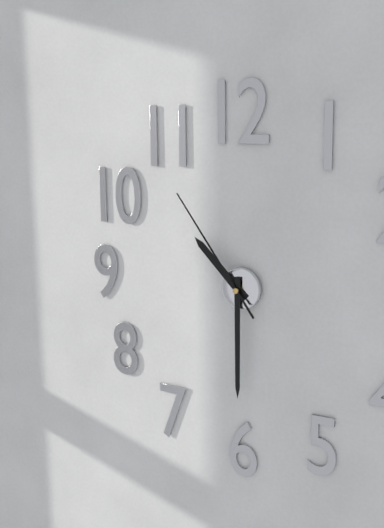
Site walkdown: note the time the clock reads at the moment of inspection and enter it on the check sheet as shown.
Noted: 10:30:54
